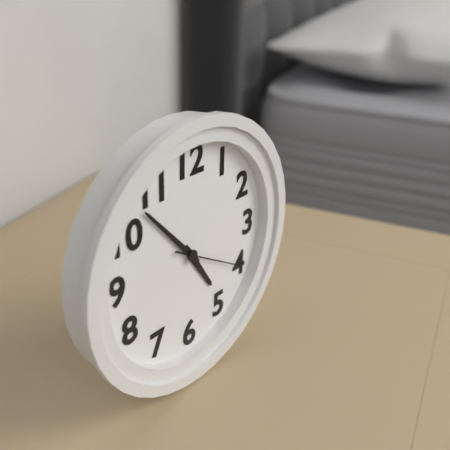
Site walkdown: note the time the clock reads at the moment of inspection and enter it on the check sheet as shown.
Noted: 4:53:20
